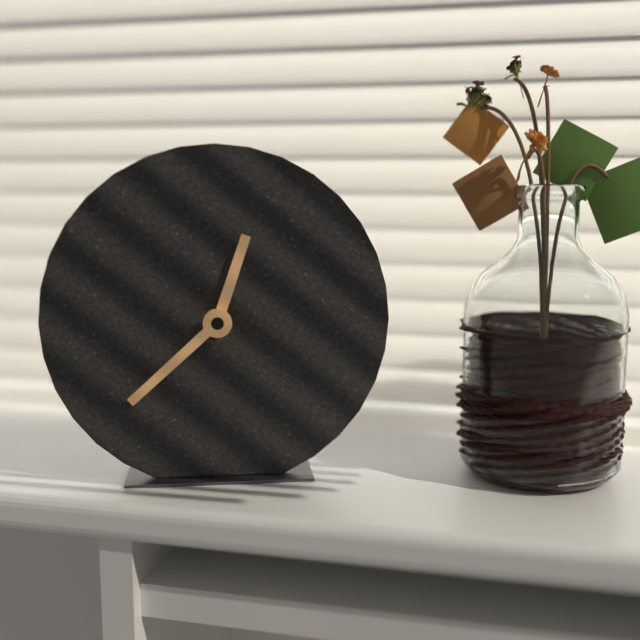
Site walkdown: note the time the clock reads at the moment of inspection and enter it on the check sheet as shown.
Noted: 12:38
